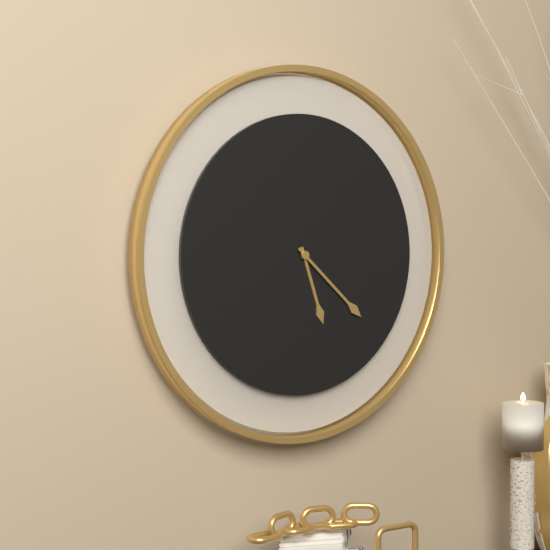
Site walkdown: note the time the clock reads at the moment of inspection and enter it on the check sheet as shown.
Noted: 5:22
